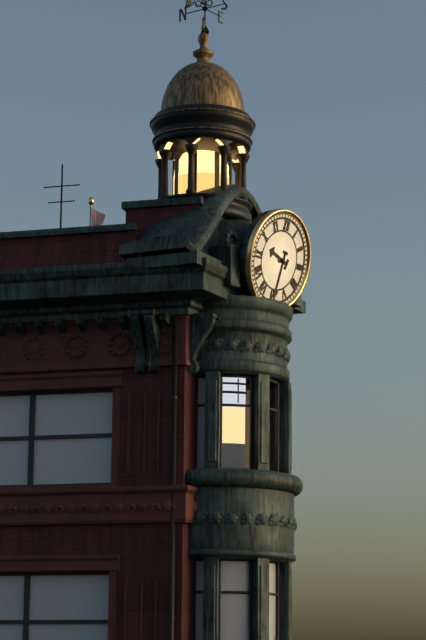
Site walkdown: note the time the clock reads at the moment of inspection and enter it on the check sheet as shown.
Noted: 9:31
